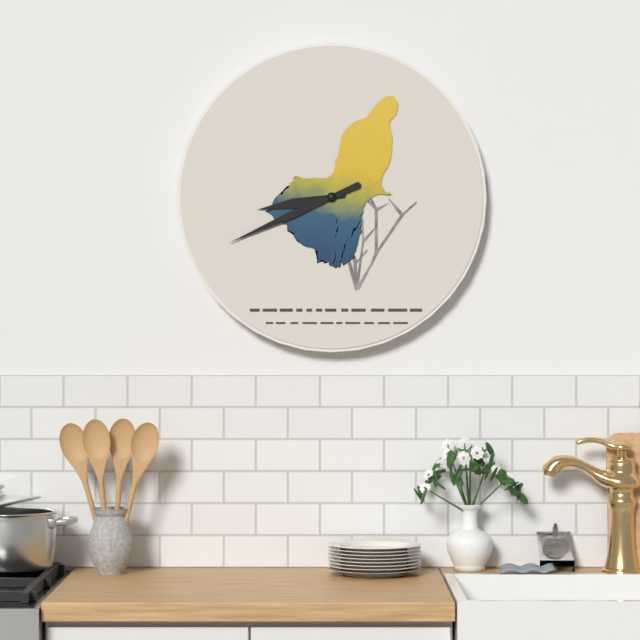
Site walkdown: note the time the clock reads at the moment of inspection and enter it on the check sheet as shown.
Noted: 8:41
